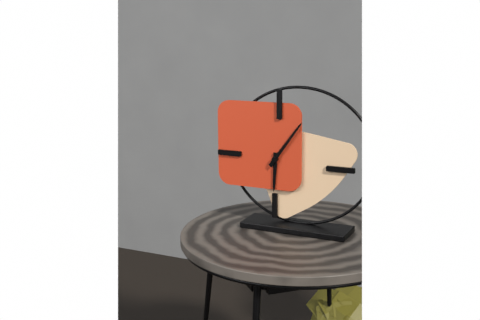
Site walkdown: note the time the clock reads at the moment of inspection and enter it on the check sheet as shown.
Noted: 6:06
